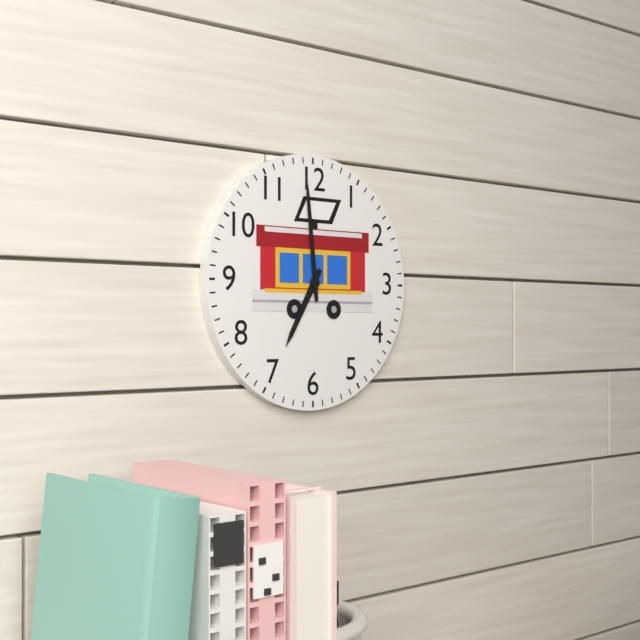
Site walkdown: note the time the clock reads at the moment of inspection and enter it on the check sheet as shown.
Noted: 6:59
